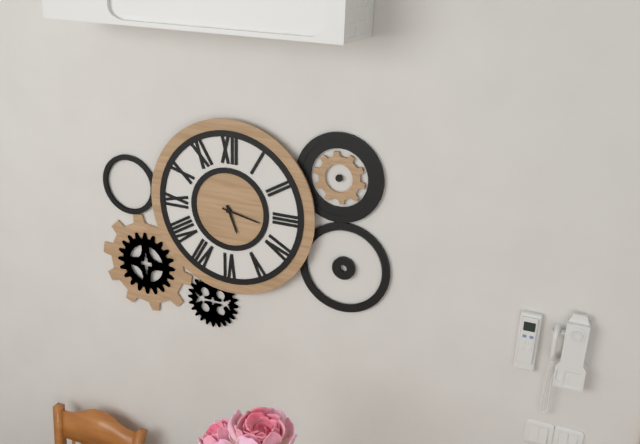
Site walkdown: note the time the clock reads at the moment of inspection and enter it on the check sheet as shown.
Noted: 5:17
